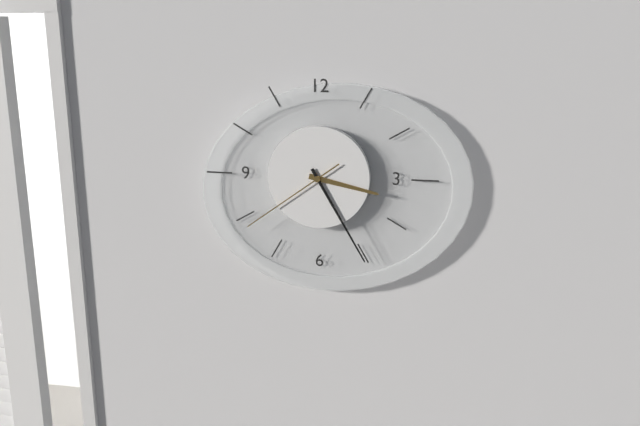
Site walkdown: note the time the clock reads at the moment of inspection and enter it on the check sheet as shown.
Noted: 3:25:39
